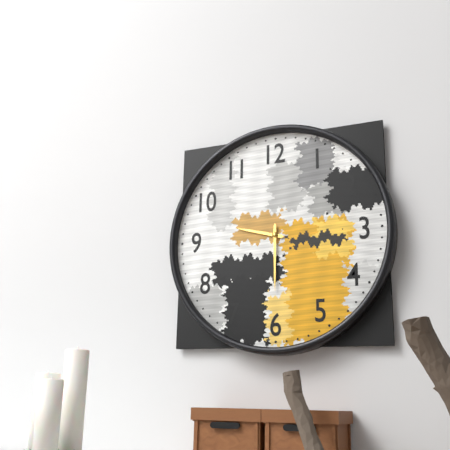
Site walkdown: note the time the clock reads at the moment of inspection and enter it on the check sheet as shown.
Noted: 9:30
